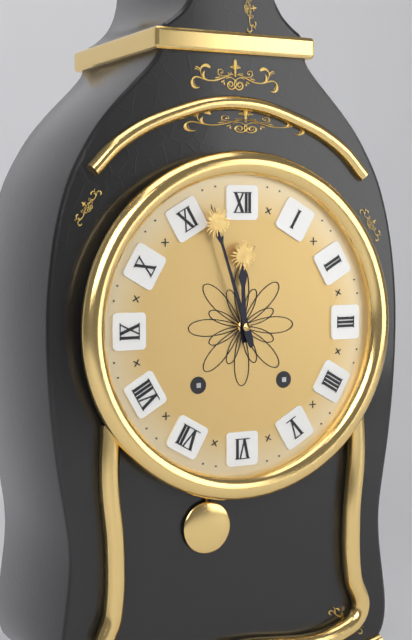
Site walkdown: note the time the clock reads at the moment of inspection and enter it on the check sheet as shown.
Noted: 11:57
